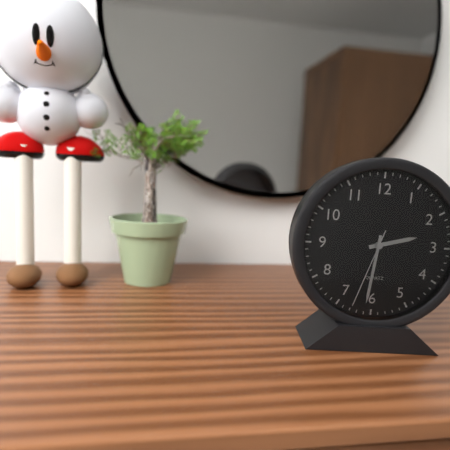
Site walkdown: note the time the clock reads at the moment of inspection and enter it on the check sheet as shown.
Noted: 2:31:33
